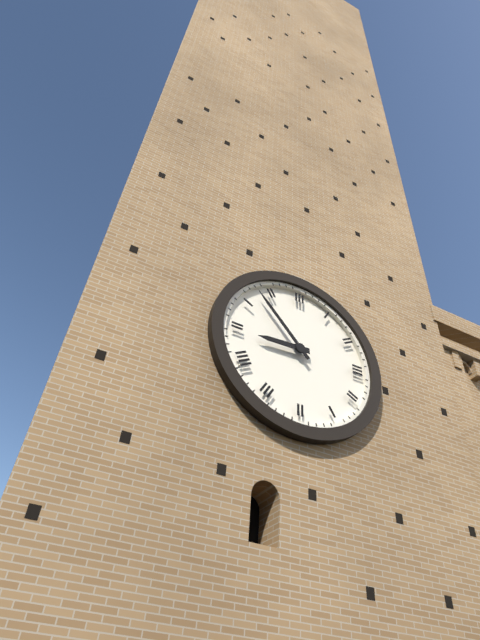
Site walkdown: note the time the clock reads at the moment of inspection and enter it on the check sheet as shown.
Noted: 8:53
